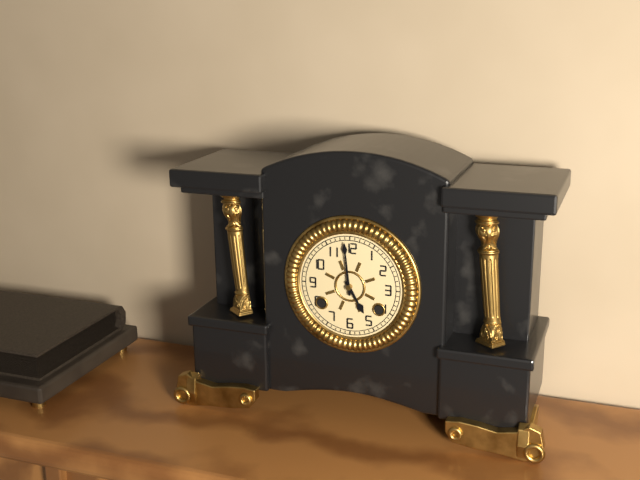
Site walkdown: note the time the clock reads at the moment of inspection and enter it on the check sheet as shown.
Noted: 4:59
